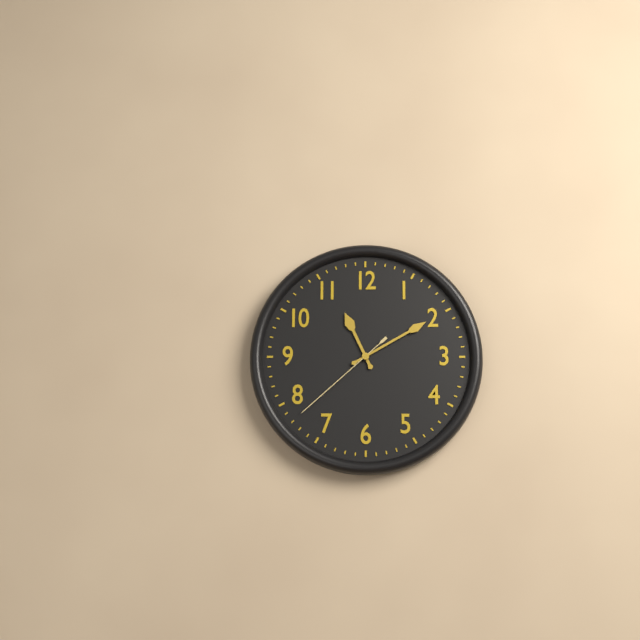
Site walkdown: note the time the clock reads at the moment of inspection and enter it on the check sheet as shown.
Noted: 11:10:38
